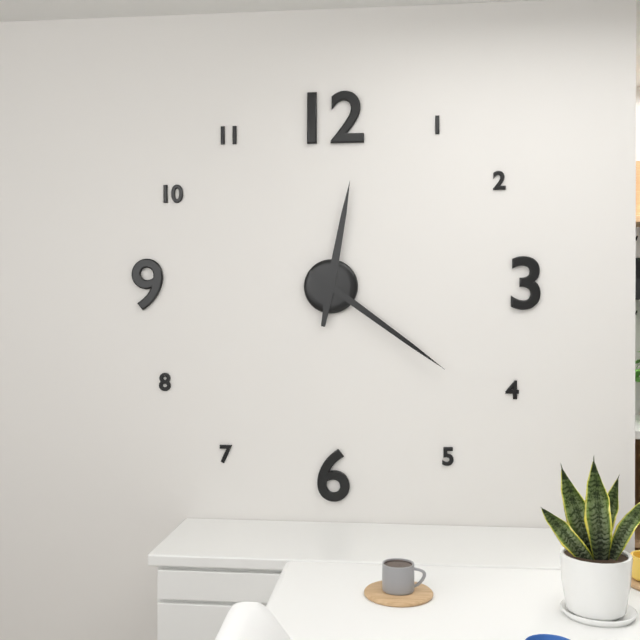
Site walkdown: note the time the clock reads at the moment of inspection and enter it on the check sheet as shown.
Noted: 12:21
